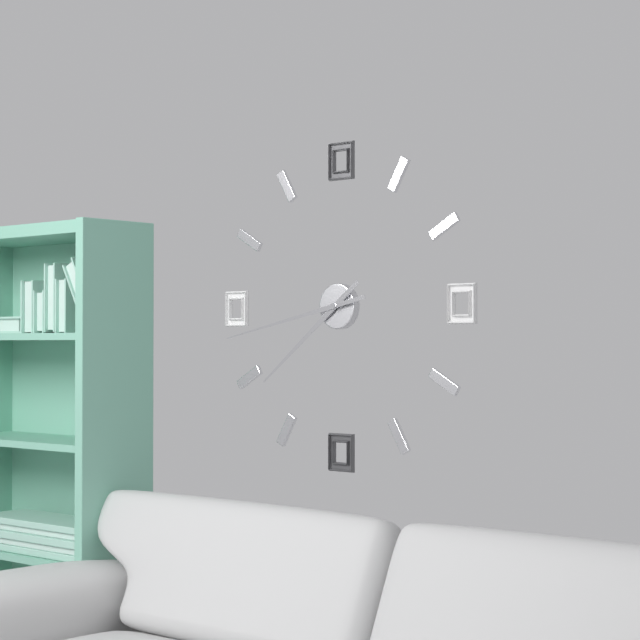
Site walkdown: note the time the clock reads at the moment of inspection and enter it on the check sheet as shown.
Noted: 7:43
